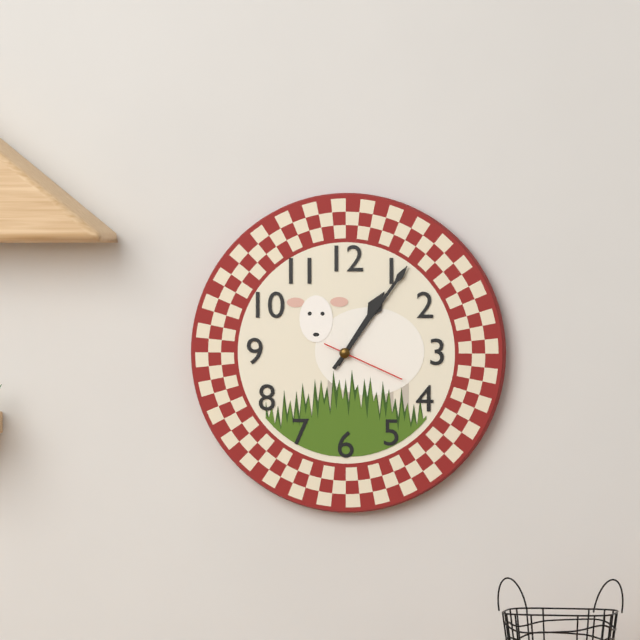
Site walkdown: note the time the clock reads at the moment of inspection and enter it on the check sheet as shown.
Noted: 1:06:19
